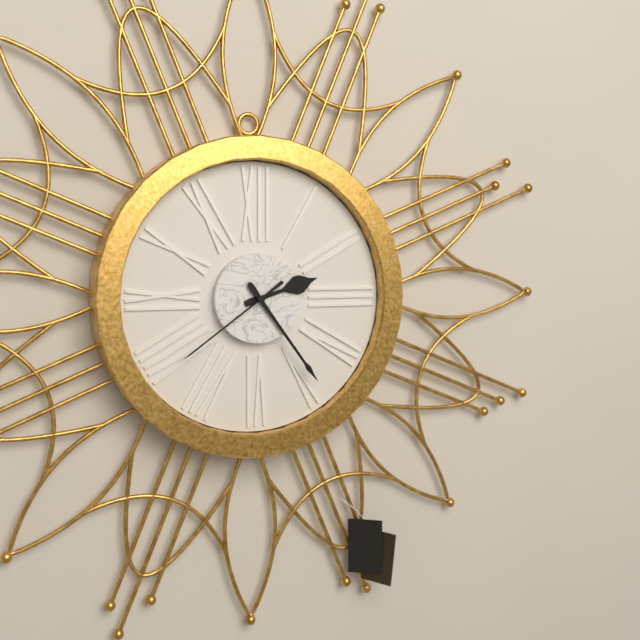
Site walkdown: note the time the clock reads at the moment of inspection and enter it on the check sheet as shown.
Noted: 2:24:39
